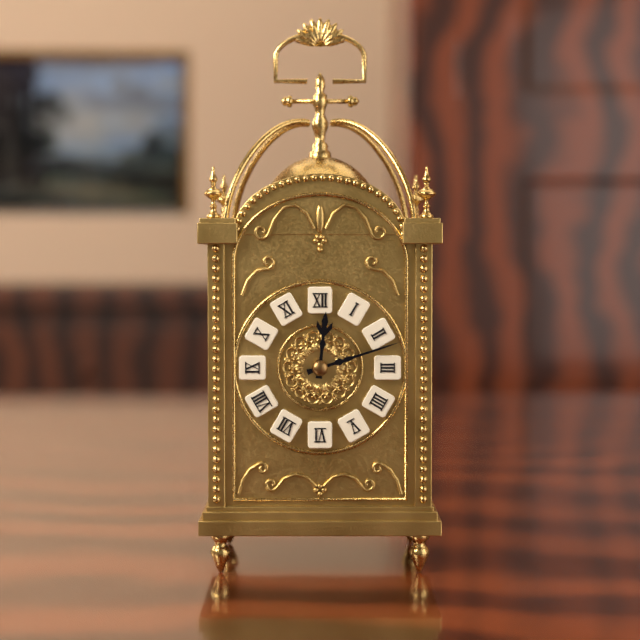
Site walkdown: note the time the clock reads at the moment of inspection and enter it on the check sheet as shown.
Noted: 12:12
